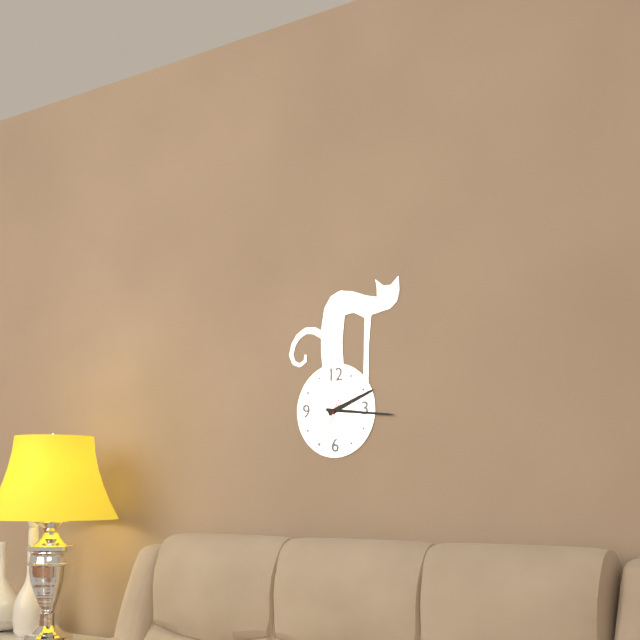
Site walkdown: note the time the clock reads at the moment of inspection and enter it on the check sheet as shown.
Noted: 2:16:35
